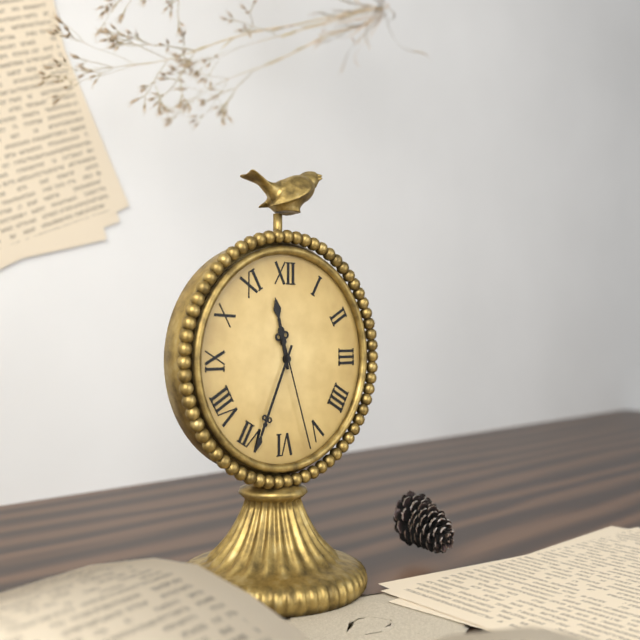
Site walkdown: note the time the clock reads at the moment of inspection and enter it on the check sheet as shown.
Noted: 11:34:27
